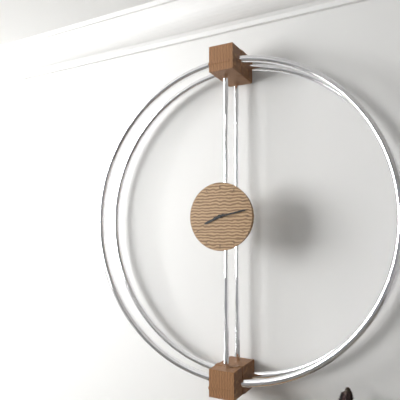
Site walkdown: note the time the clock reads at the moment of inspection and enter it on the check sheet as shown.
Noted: 8:13
